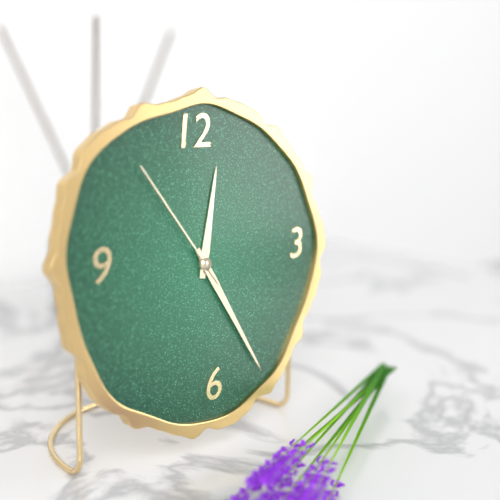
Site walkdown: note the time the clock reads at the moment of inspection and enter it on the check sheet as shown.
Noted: 12:25:54
